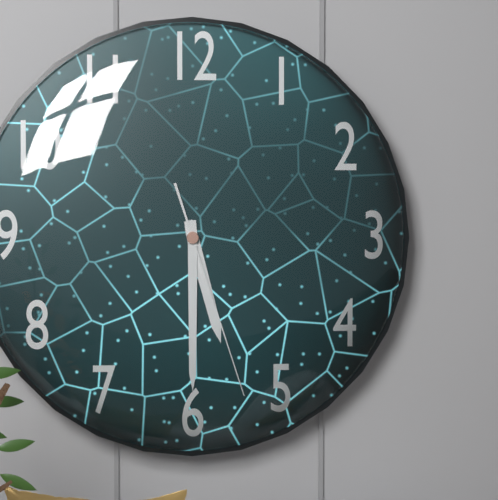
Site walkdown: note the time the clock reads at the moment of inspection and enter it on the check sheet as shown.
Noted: 5:30:27
